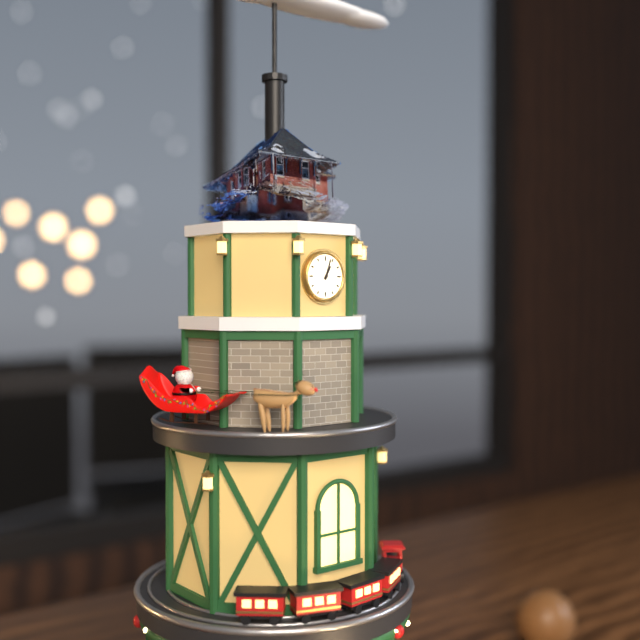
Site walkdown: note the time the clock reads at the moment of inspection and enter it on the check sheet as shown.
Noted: 1:03
